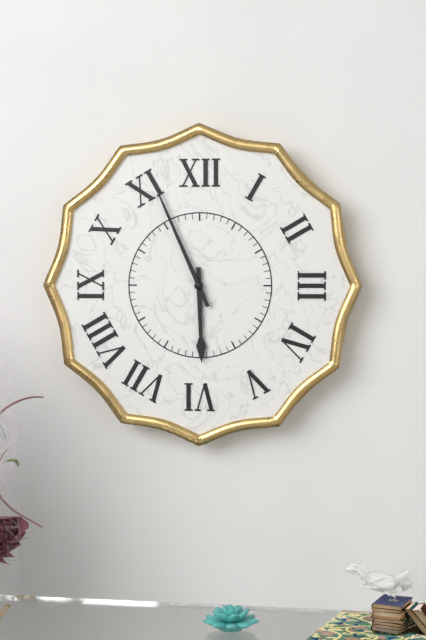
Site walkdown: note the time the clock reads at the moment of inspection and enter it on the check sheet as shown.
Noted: 5:56
